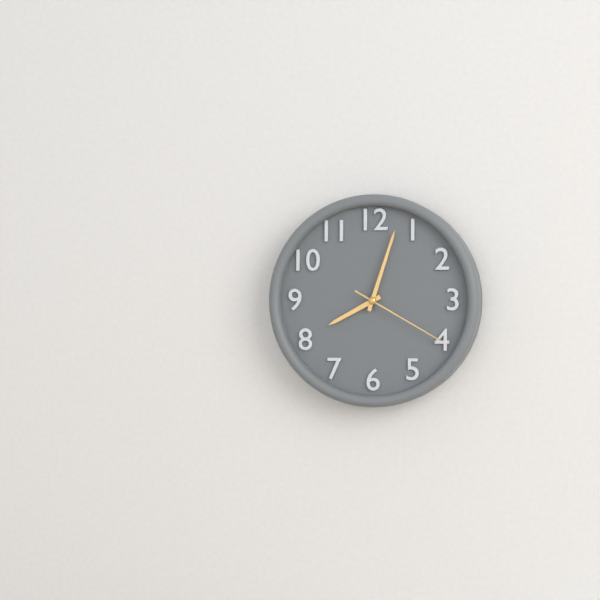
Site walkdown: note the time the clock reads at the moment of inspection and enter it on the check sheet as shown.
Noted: 8:03:20
